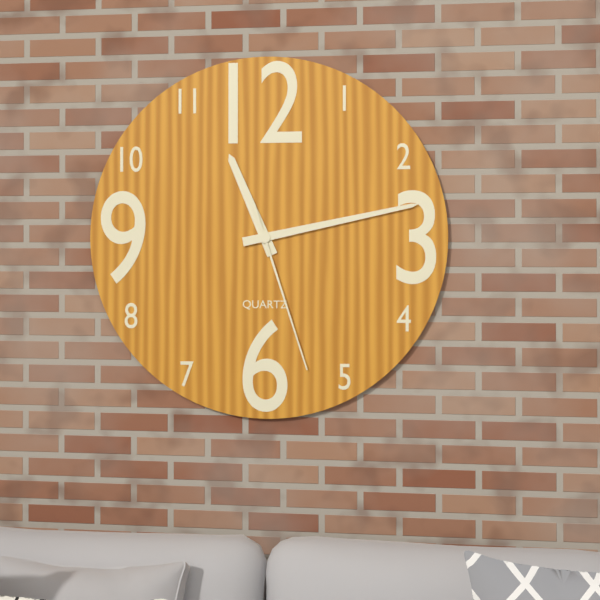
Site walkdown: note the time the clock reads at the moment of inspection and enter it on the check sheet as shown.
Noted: 11:13:27
